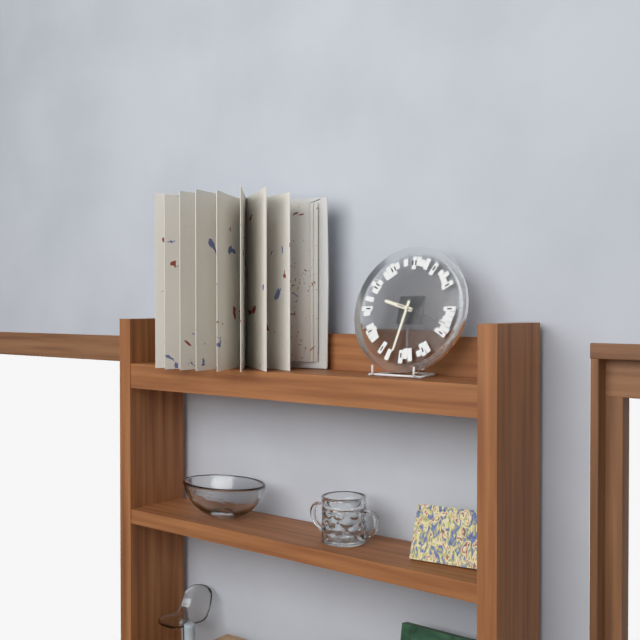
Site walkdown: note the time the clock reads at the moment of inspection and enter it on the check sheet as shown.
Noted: 9:32:18
